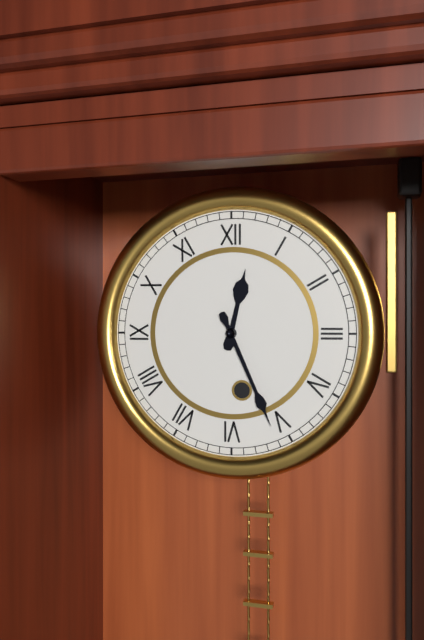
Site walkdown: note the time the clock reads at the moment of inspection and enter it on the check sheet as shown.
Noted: 12:26
